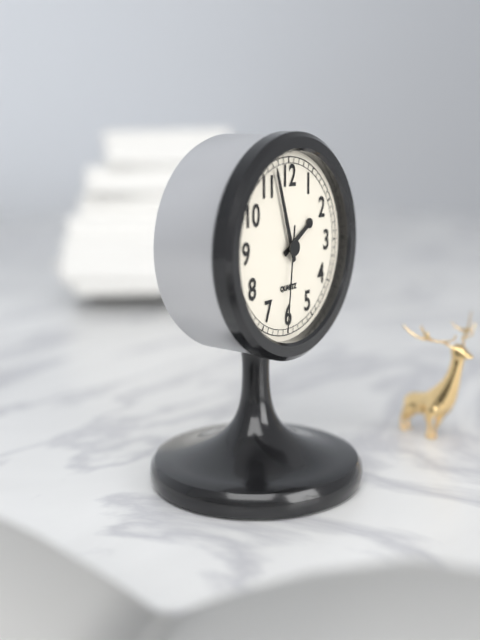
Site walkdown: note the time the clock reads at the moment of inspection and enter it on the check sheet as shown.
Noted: 1:57:31
